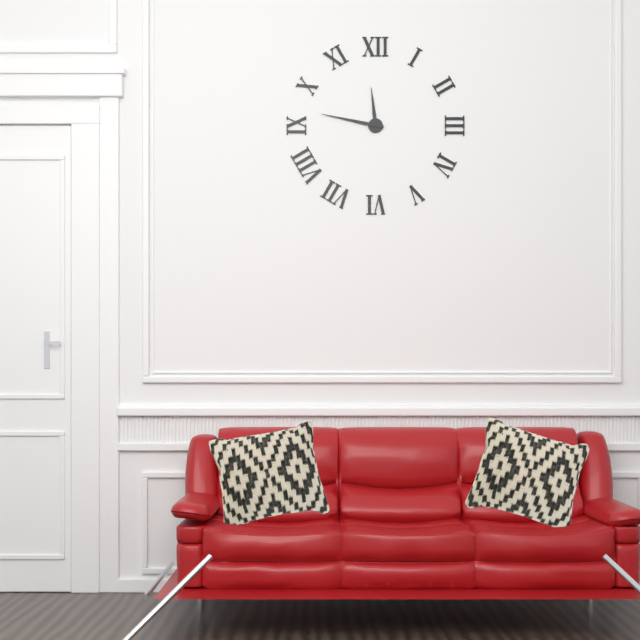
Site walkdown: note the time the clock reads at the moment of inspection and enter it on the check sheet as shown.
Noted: 11:47
